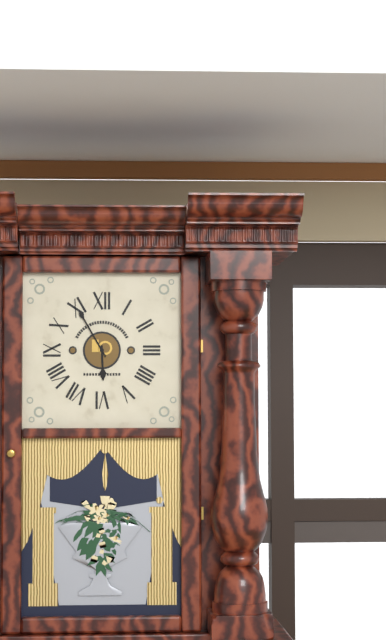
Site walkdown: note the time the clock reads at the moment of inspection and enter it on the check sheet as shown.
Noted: 5:55
